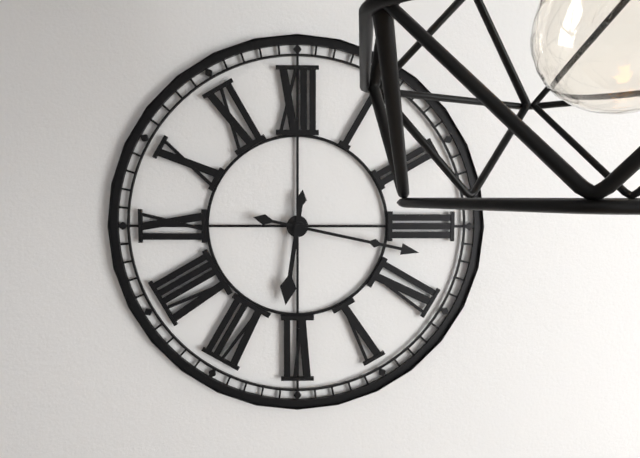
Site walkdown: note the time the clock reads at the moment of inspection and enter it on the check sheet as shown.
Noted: 6:17
